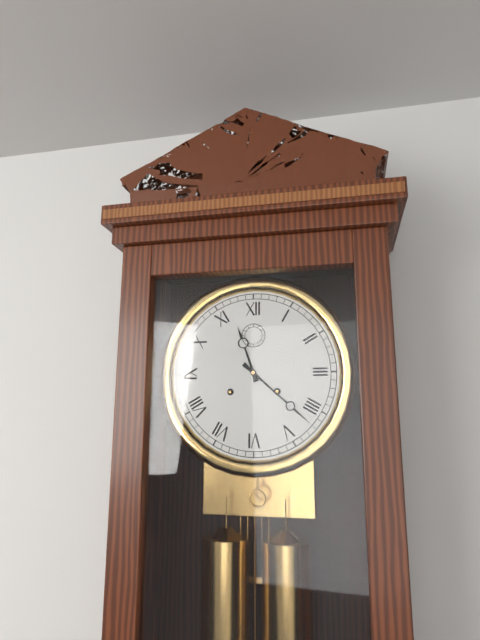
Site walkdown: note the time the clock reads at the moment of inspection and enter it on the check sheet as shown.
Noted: 11:22
